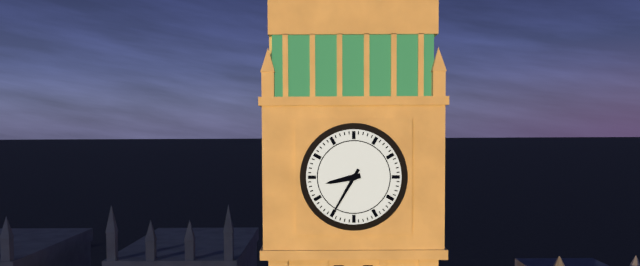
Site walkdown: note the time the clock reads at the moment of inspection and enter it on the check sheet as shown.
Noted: 8:35
